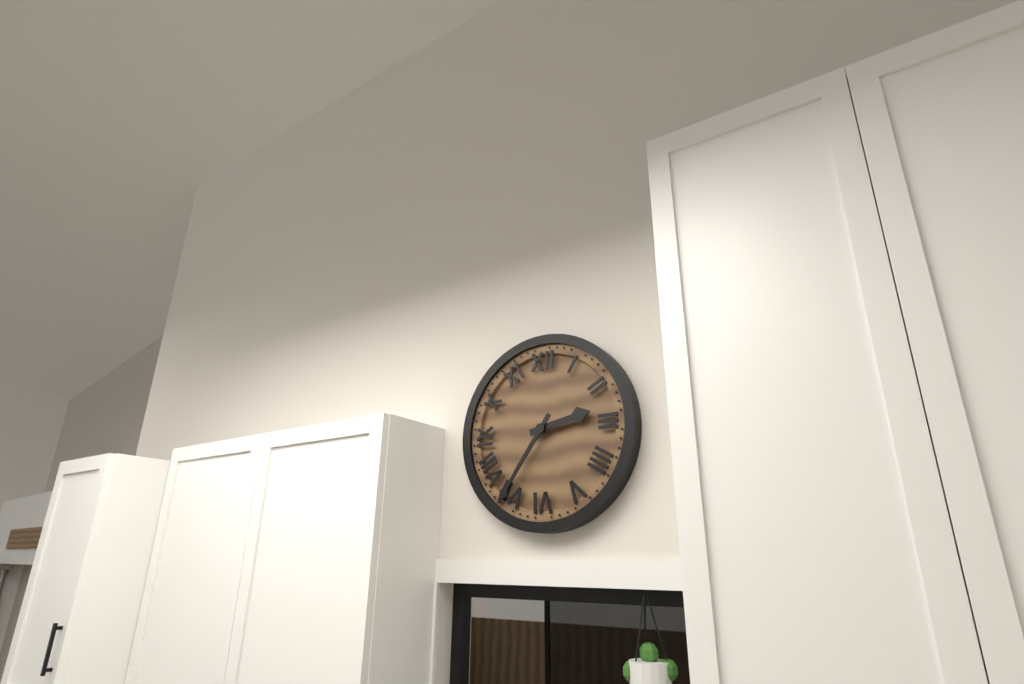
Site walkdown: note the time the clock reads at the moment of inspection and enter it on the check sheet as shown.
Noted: 2:36
